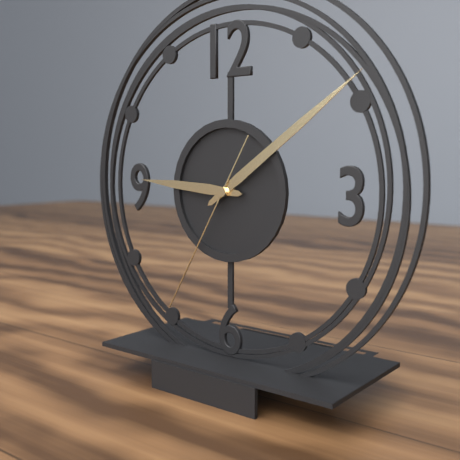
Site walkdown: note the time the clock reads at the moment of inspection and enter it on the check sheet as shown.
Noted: 9:09:35
